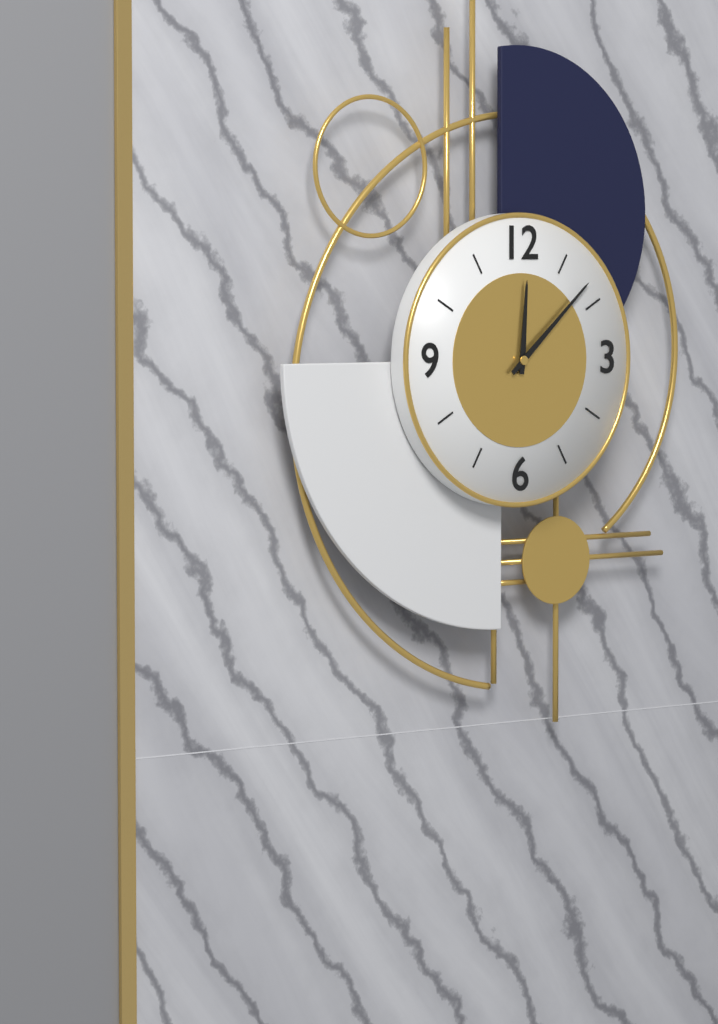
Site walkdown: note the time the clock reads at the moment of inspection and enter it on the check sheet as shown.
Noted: 12:08
